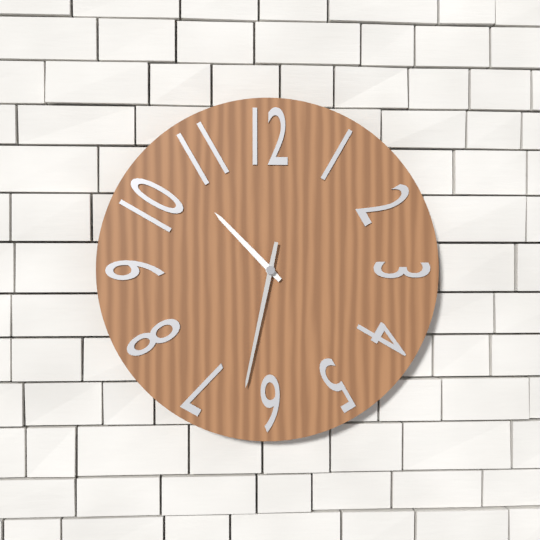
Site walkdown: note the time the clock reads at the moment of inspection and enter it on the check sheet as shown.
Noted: 10:32
